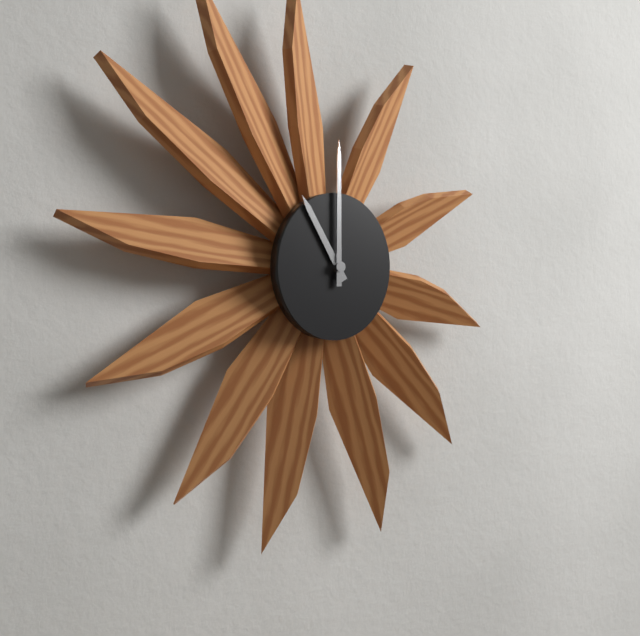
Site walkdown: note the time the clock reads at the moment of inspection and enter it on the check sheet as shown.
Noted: 11:00
